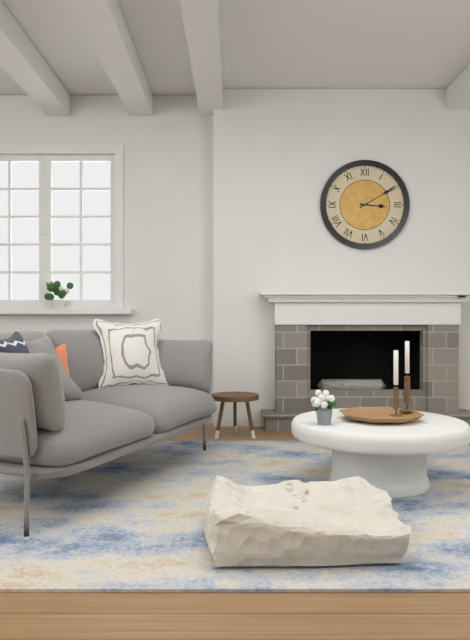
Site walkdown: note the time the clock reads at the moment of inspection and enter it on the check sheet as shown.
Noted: 3:10
